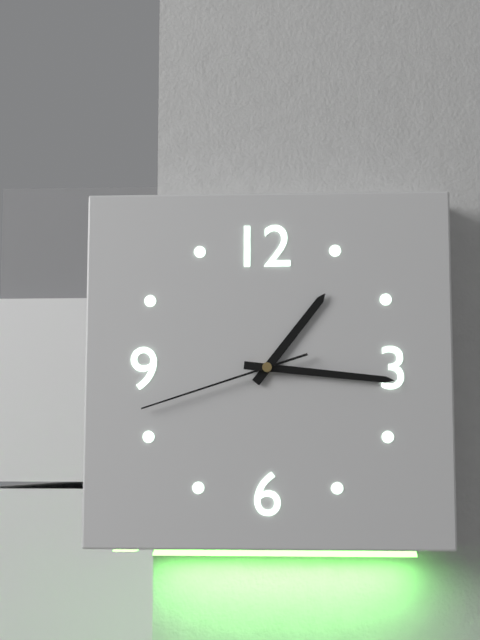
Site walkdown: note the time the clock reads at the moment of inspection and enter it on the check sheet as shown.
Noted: 1:16:42
